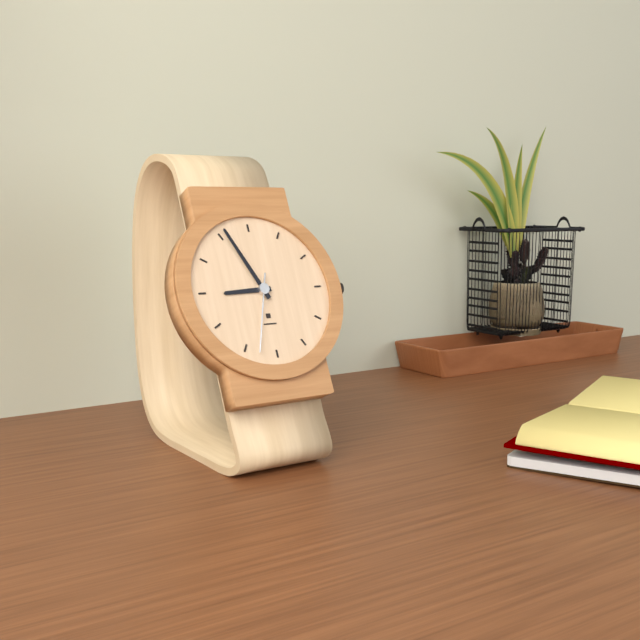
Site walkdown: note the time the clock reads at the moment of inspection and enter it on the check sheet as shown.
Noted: 8:56:33
